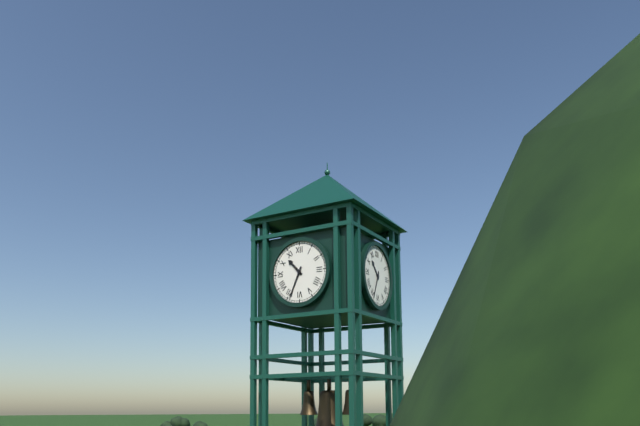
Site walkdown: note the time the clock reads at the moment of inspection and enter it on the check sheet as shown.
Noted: 10:34
